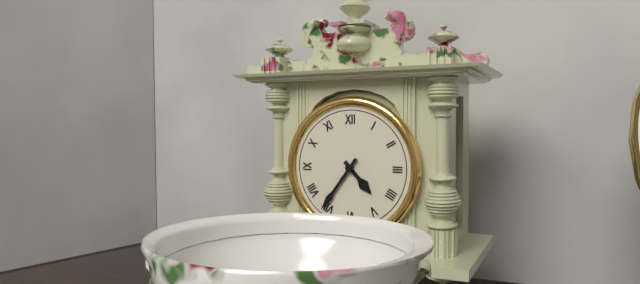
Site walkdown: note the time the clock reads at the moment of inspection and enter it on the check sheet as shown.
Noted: 4:36
